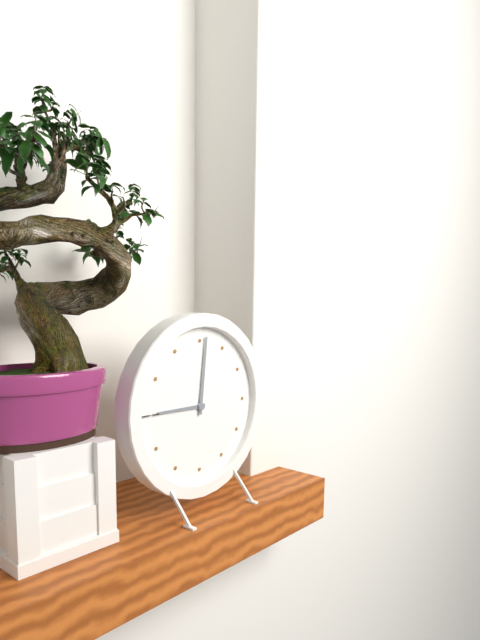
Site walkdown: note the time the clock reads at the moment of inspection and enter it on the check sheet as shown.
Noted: 9:01
